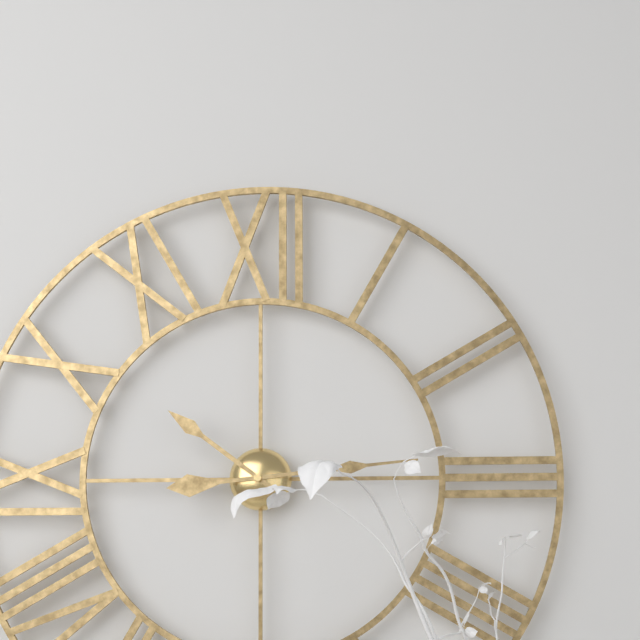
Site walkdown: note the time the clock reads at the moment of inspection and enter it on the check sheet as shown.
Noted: 10:14
